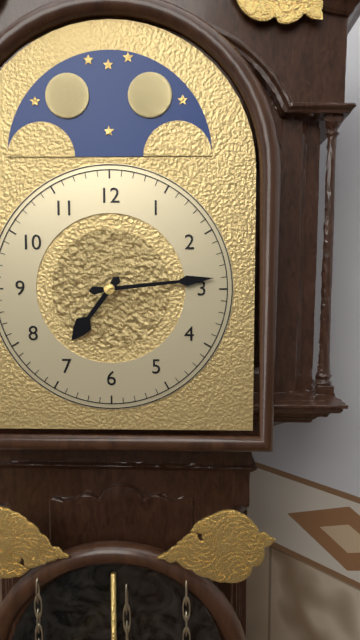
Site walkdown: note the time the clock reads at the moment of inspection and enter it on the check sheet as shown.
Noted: 7:14
